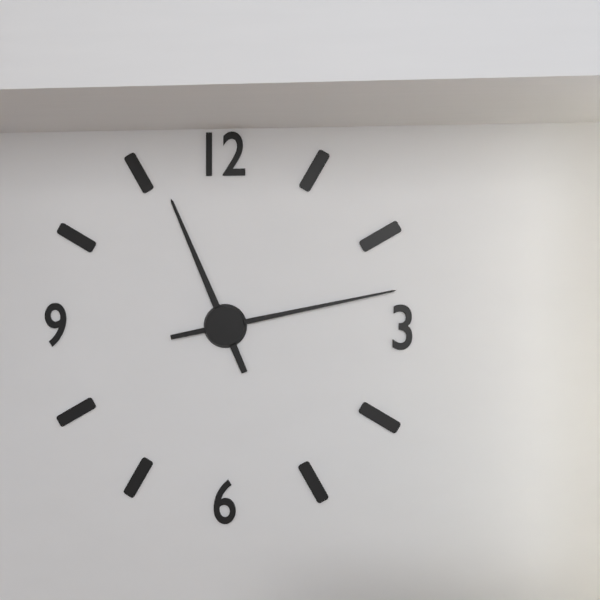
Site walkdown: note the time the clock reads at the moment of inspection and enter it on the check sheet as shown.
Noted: 11:13
